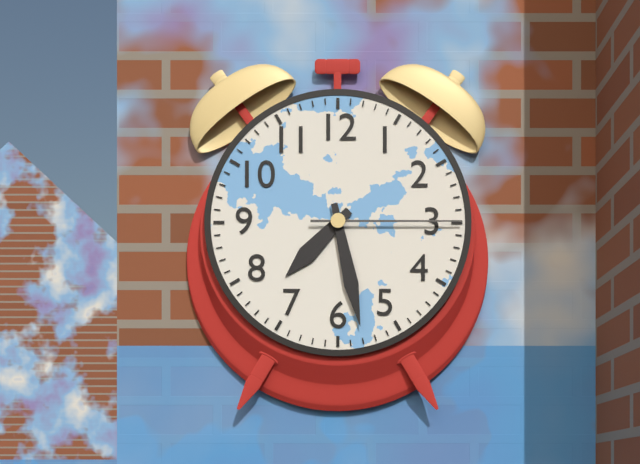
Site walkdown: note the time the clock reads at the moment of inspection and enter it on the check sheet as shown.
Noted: 7:28:15
